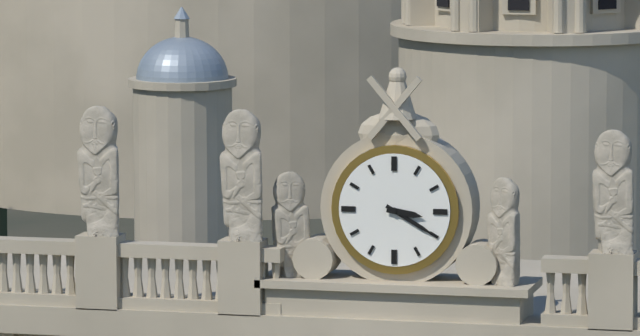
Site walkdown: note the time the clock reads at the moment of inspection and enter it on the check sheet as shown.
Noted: 3:20
